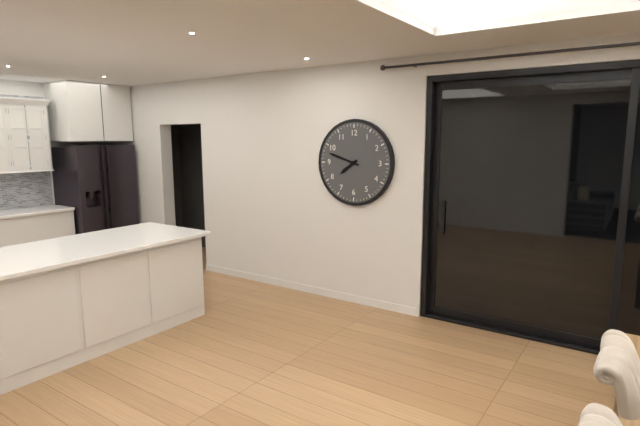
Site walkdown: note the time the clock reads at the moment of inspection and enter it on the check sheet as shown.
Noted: 7:48
